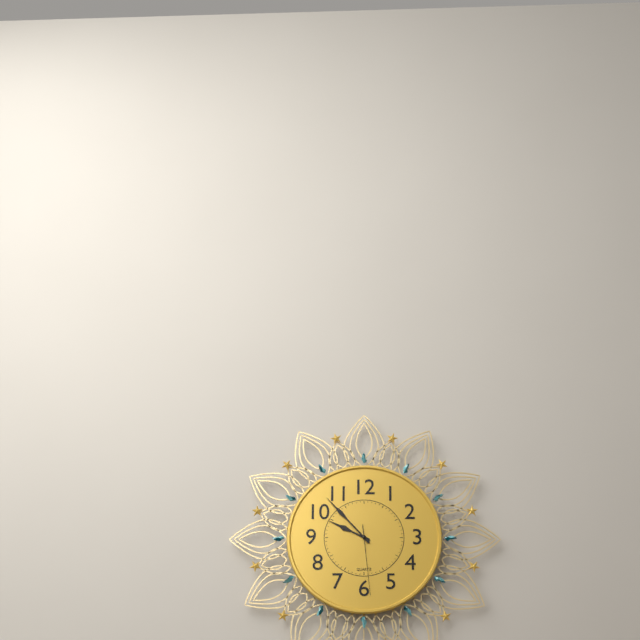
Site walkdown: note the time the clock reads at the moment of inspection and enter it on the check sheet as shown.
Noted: 9:53:29
